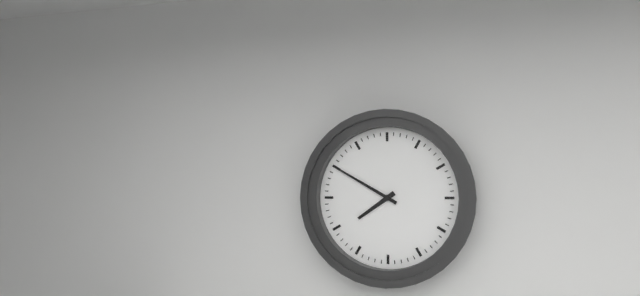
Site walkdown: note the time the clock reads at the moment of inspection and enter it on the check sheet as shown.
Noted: 7:50
